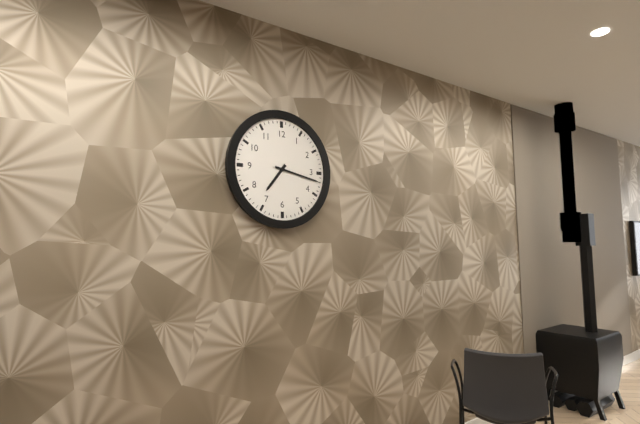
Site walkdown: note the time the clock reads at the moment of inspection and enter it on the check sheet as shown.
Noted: 7:17
